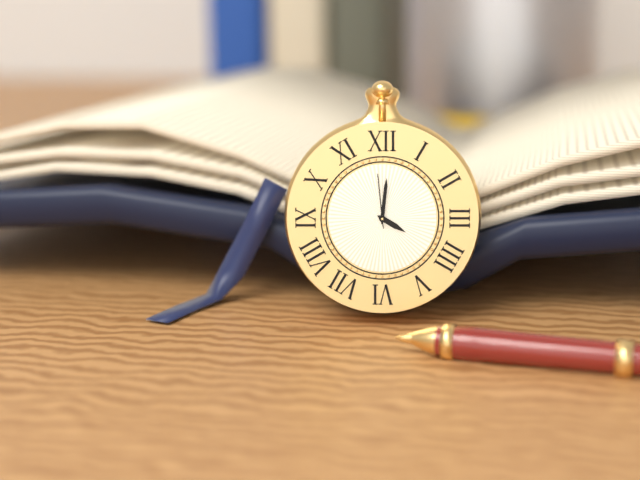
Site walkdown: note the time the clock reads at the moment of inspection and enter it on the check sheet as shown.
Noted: 4:01:59
